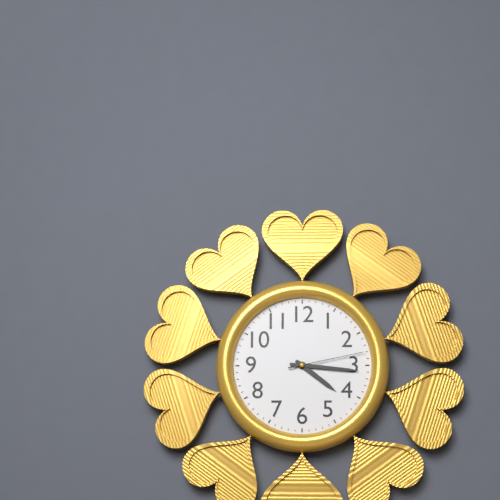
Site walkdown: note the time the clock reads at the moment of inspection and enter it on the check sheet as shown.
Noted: 4:16:13
